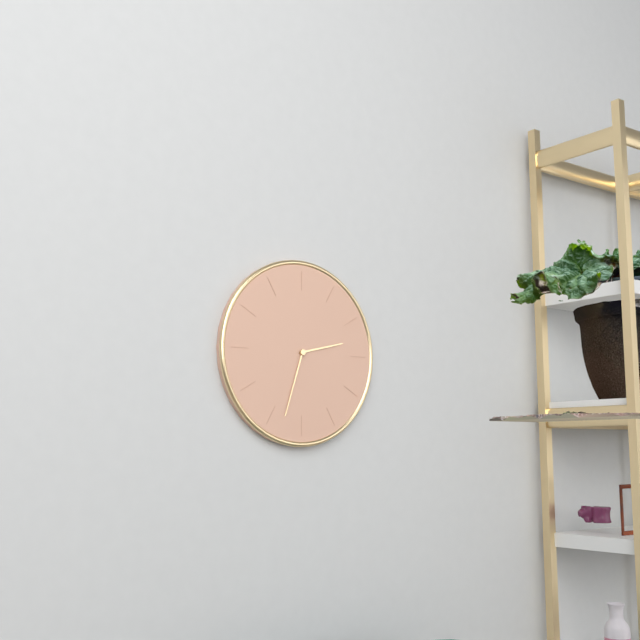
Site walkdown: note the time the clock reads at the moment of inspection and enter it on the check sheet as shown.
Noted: 2:33
